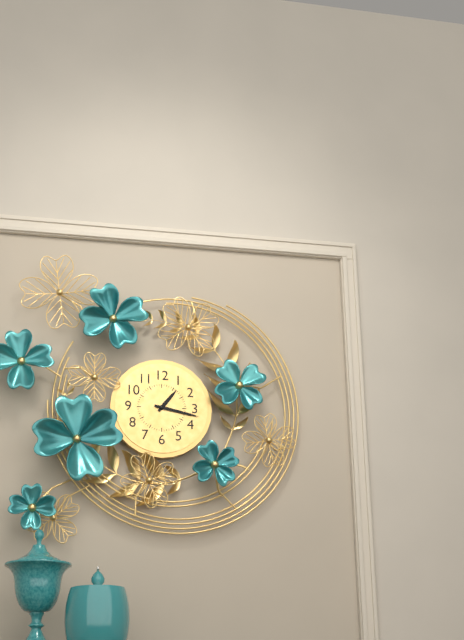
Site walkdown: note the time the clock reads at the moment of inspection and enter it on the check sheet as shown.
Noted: 1:17
